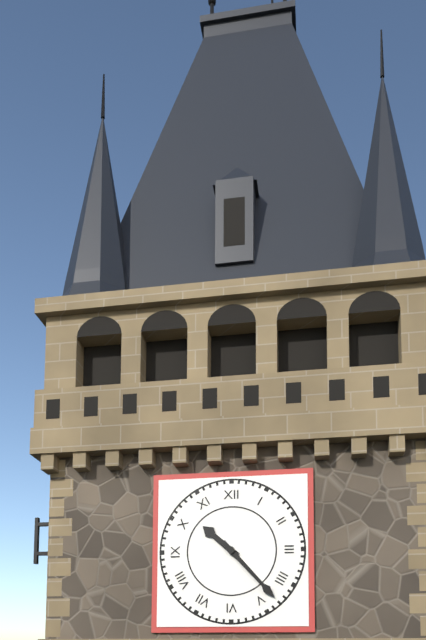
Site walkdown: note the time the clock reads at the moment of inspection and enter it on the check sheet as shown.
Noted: 10:23
